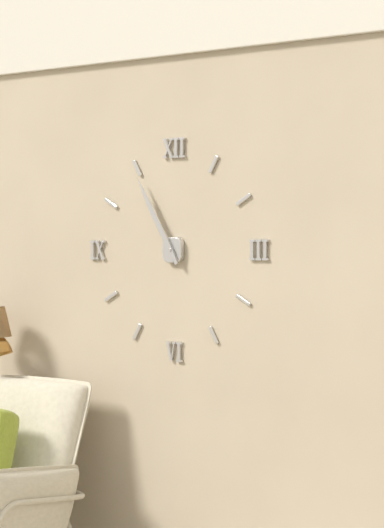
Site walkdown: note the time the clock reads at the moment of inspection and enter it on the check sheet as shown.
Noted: 10:55
